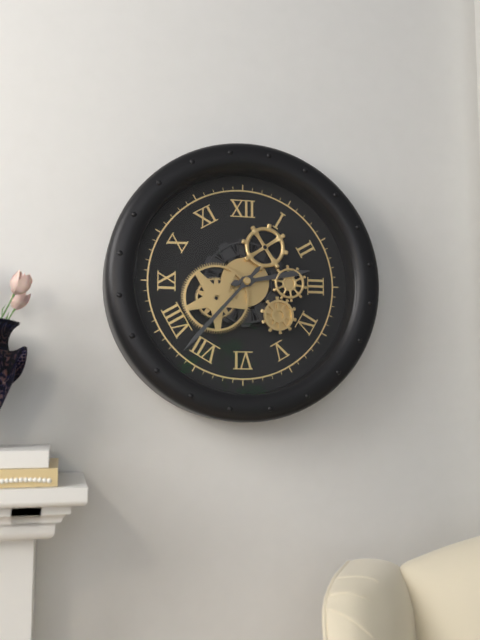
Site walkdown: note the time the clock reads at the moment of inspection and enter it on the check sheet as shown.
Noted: 2:37
